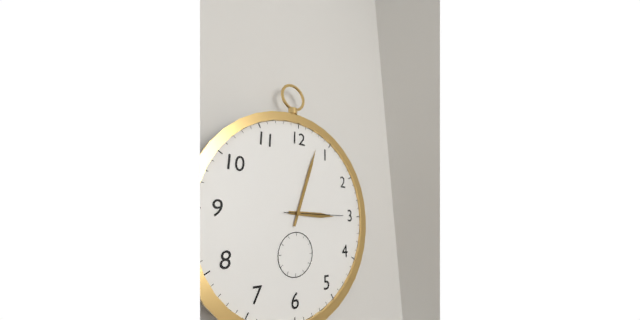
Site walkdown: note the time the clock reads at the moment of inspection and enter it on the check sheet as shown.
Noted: 3:03:15
